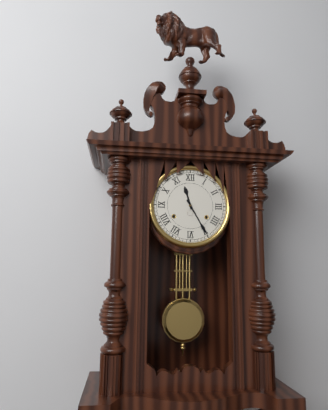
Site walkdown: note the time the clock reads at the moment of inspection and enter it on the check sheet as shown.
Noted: 11:25
